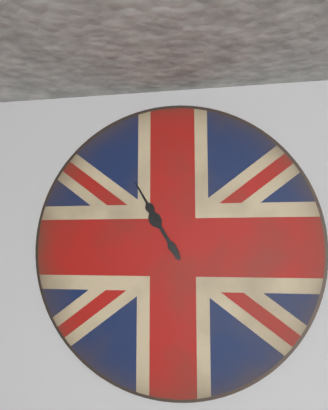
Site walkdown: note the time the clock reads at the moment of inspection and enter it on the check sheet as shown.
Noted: 10:55
